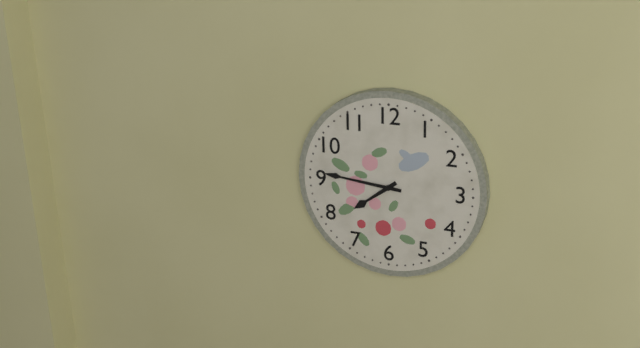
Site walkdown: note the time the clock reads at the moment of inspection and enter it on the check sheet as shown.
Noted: 7:46
